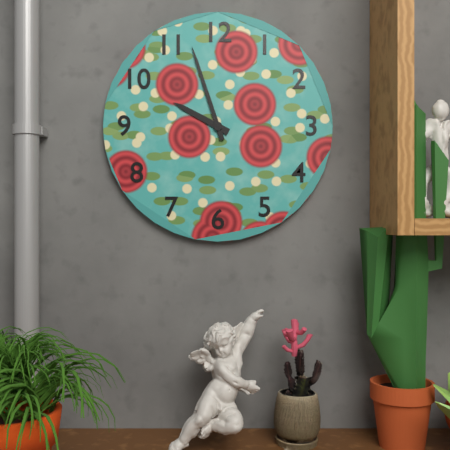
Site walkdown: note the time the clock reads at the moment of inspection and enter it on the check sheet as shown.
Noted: 9:57
